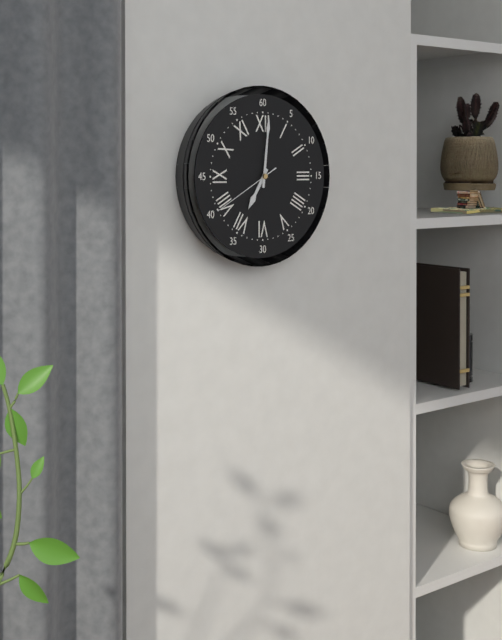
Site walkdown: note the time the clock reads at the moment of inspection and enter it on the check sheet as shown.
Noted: 7:01:40
